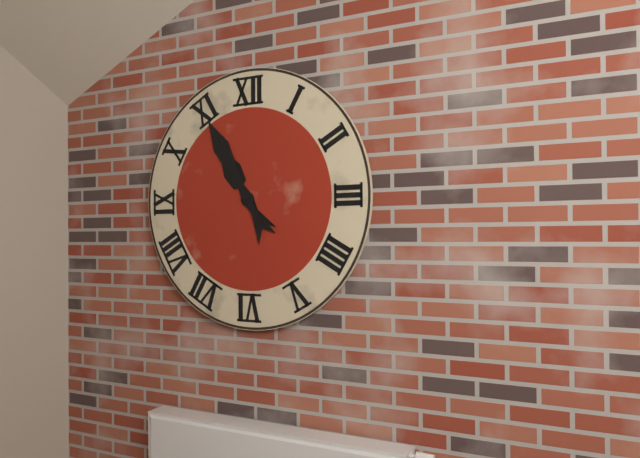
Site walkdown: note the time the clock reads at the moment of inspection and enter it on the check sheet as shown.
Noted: 10:55
